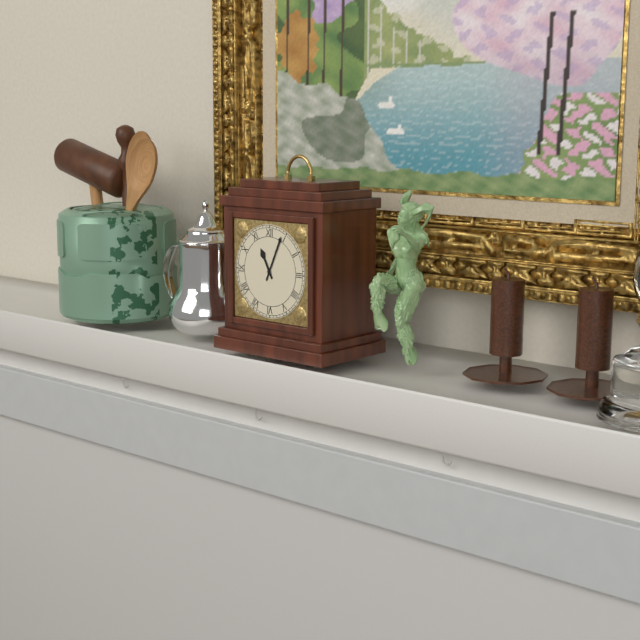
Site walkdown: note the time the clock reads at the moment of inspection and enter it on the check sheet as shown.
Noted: 11:04
